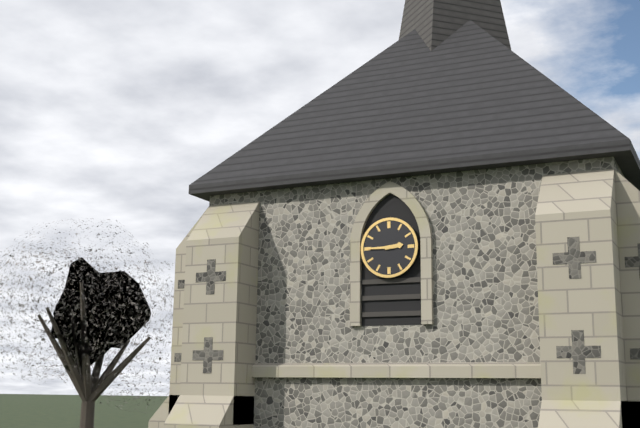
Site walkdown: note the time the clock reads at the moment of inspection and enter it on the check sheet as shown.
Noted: 2:45
